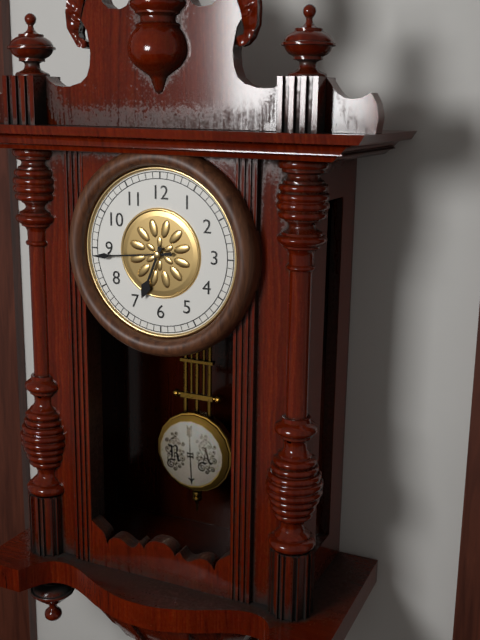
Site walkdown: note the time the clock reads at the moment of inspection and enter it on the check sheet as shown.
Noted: 6:44
